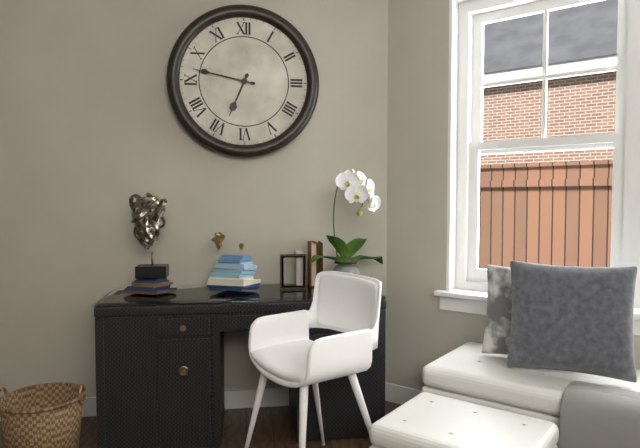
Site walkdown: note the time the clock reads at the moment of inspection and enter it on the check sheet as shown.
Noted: 6:47
